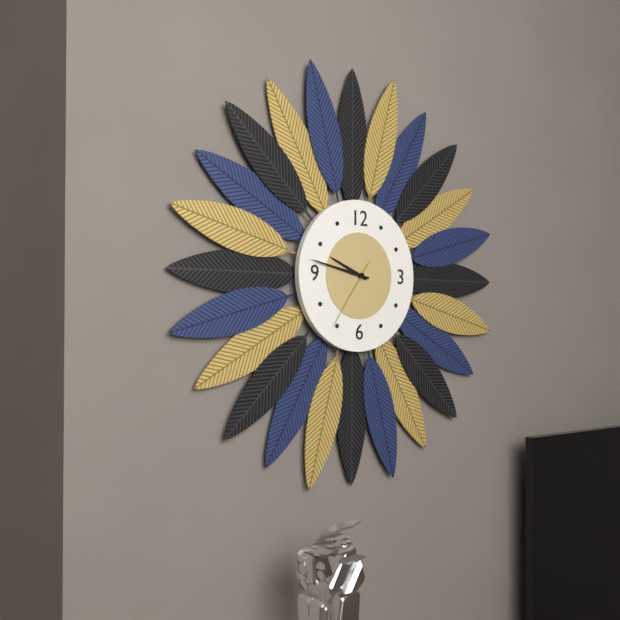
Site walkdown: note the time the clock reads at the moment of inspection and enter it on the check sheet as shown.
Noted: 9:47:36
